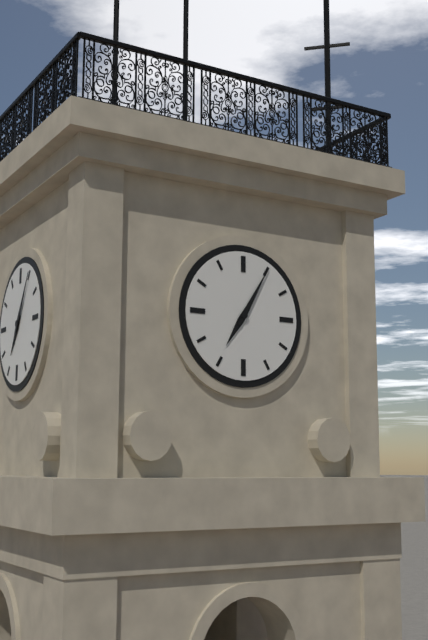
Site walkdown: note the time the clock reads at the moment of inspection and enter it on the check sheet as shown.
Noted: 7:05
